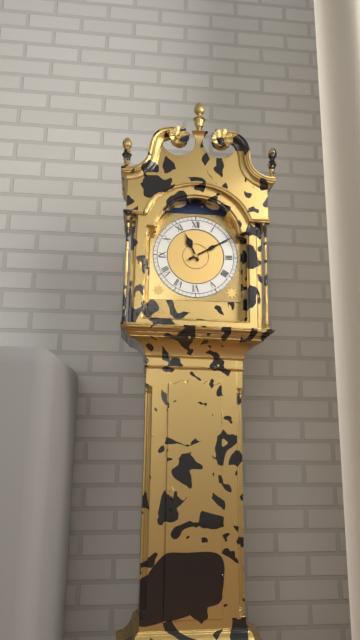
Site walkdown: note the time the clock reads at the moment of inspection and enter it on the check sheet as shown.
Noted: 11:10
